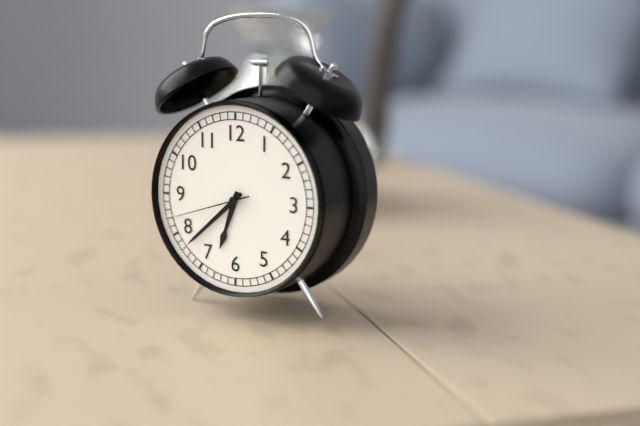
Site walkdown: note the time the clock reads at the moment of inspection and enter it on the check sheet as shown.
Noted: 6:38:42
